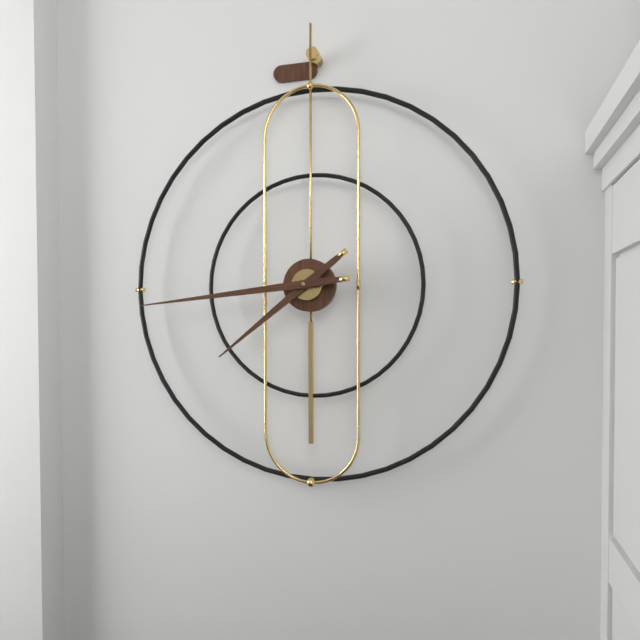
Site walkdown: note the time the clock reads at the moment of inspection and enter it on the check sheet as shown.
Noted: 7:44
